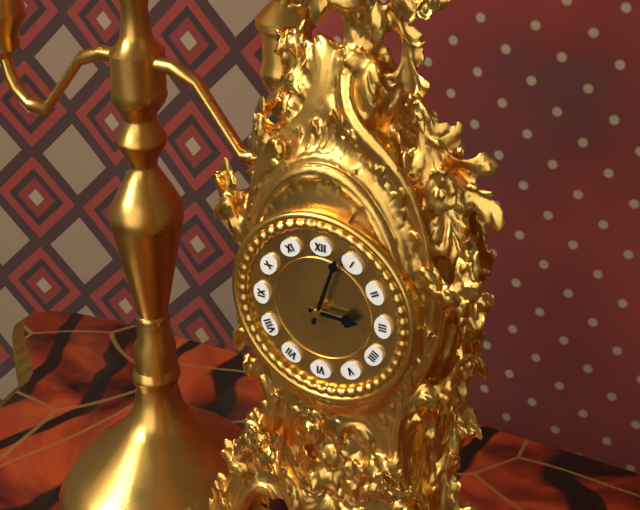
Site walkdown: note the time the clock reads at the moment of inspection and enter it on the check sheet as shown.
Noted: 3:03
